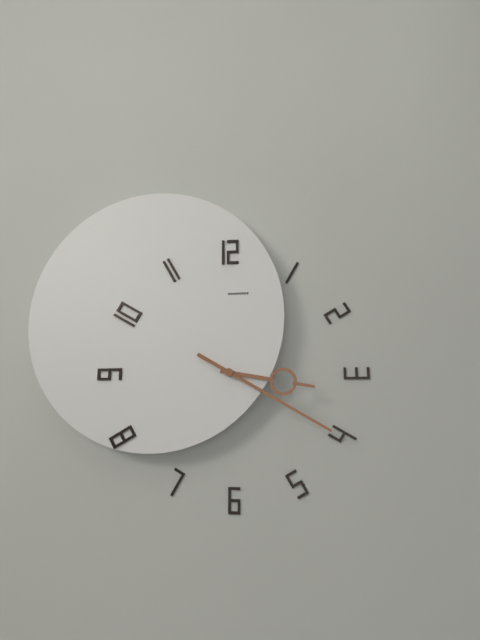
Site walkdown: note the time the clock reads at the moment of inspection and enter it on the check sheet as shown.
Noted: 3:20
